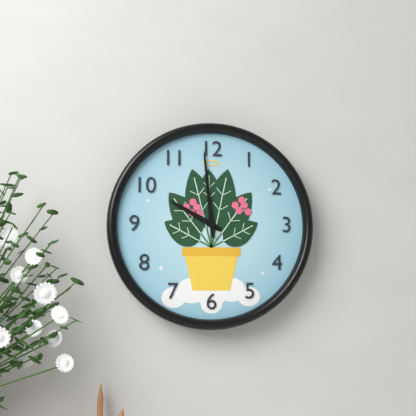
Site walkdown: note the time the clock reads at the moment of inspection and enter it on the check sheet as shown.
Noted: 9:59
